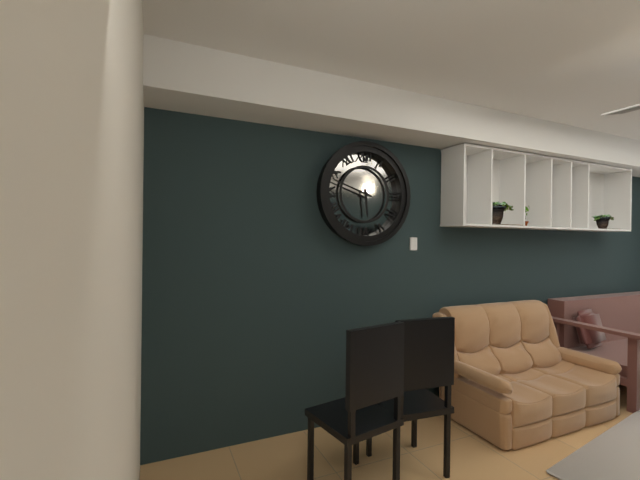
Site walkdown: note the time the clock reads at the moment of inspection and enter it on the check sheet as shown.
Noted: 5:48
